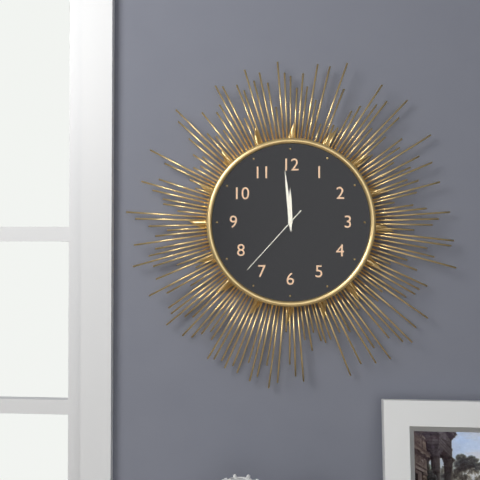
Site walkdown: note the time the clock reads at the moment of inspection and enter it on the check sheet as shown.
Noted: 11:59:37
